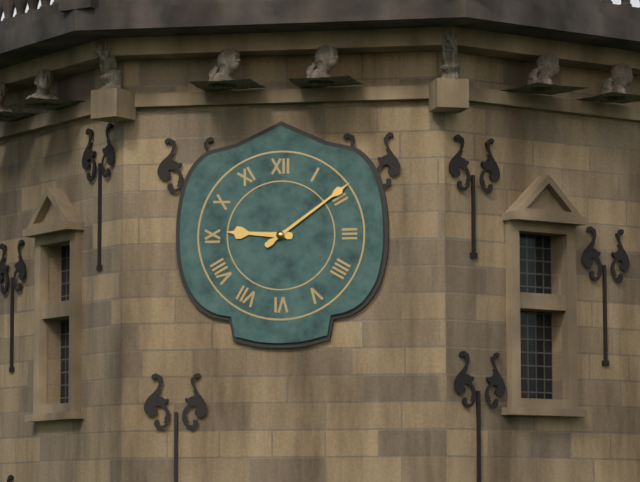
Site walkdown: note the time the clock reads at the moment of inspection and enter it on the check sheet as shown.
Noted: 9:09
